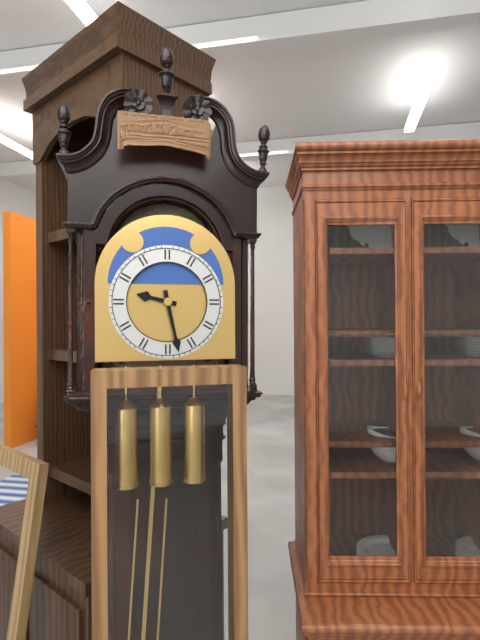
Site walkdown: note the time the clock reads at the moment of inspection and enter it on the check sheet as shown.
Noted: 9:28
